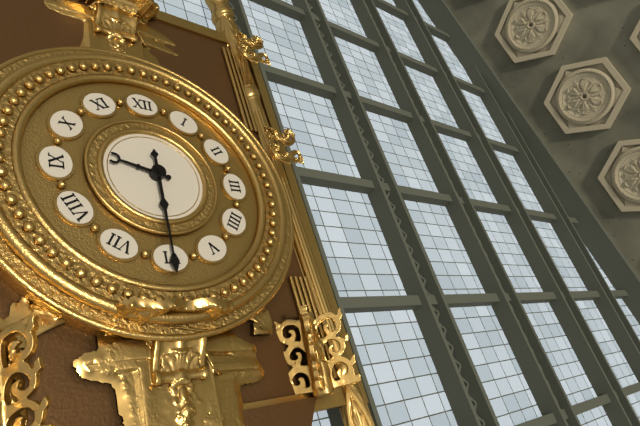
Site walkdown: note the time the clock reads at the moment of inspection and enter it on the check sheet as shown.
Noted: 9:30
